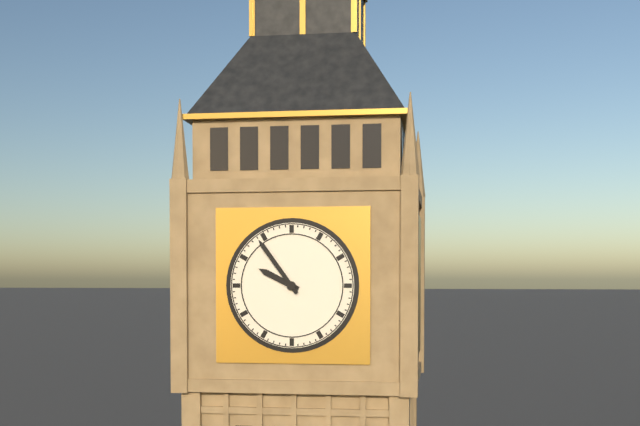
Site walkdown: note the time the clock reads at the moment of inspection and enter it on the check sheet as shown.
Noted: 9:54
